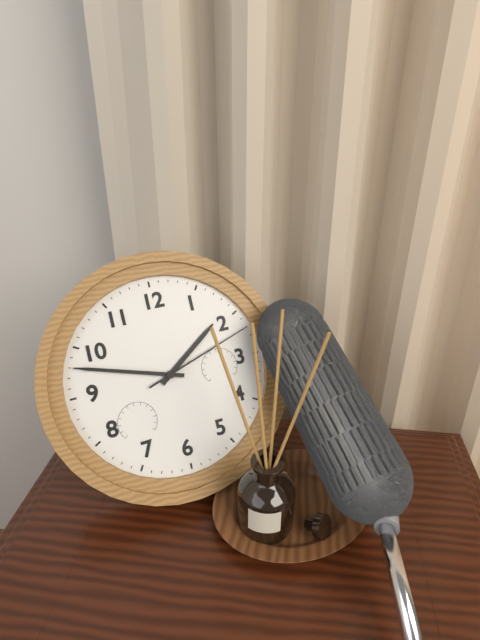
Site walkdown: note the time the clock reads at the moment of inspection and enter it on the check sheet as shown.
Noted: 1:48:12
